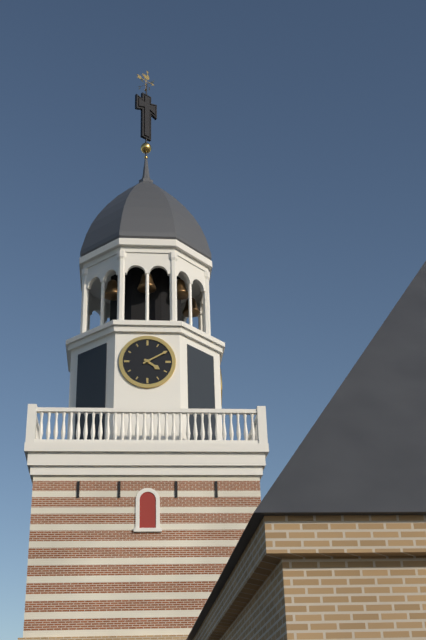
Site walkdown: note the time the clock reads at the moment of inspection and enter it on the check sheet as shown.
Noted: 4:10
